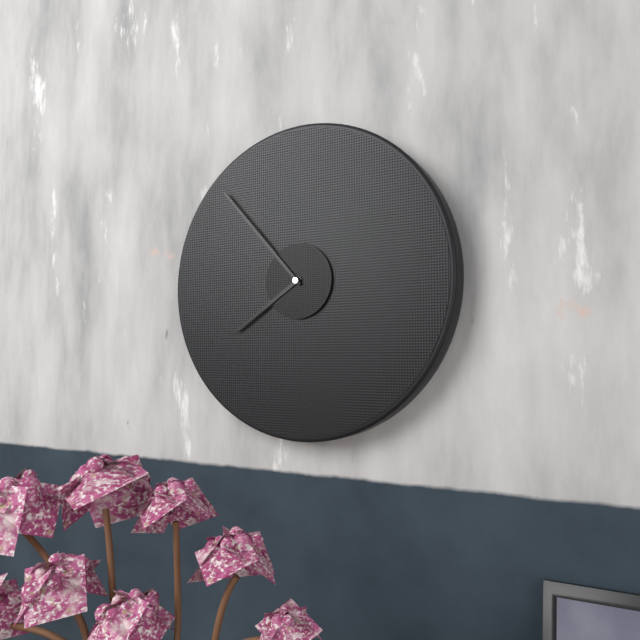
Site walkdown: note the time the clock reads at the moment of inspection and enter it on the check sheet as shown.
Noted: 7:53
